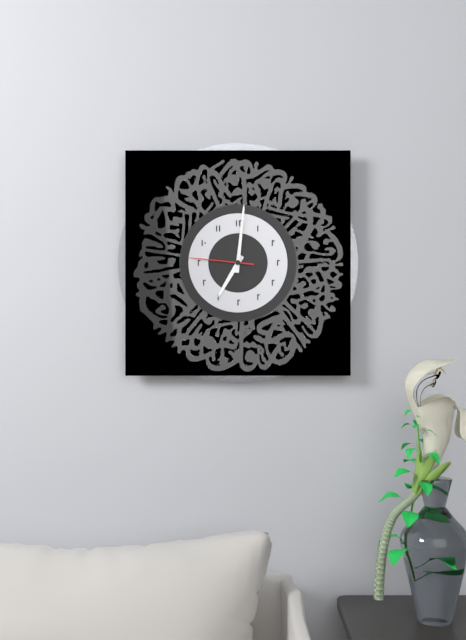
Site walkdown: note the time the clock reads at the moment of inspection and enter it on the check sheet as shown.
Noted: 7:01:46
